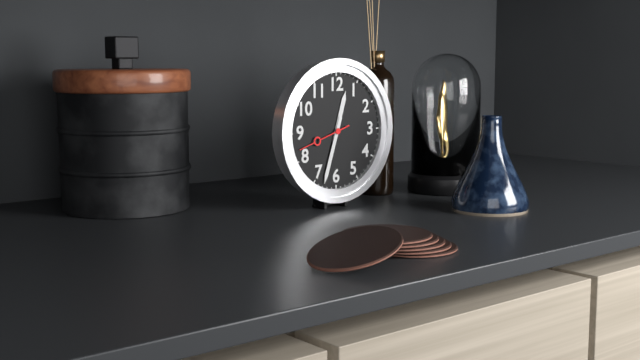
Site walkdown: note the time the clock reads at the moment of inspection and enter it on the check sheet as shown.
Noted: 12:33:42
